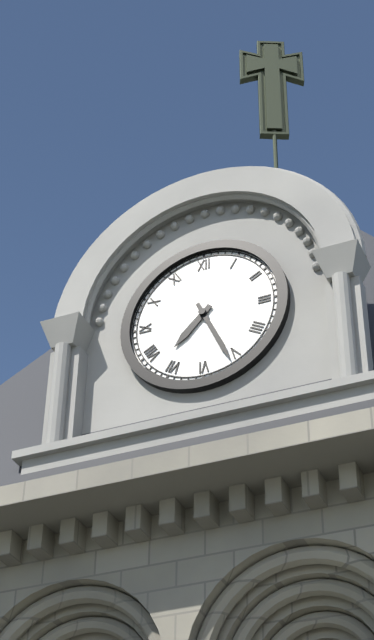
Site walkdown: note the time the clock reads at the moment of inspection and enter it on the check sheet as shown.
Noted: 7:26
